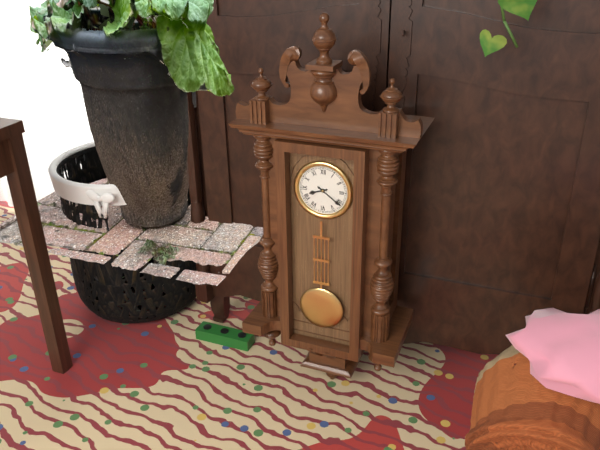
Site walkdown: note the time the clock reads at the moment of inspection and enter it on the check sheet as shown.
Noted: 8:21
